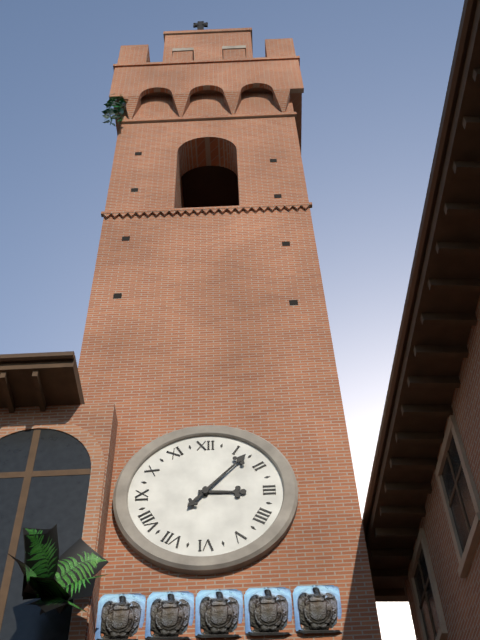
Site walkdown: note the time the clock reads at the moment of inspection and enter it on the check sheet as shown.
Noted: 3:07
